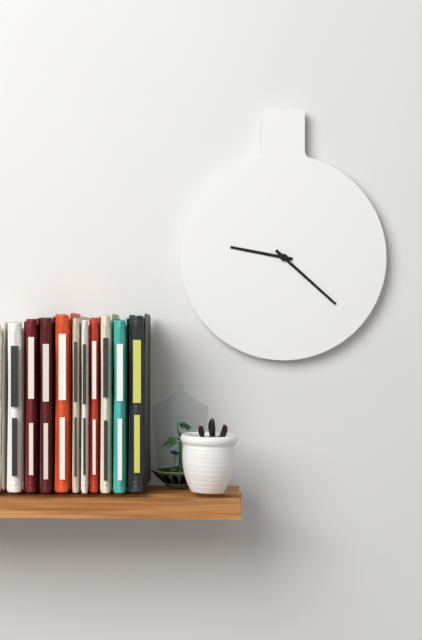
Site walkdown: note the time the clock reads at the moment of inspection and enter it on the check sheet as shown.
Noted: 9:22
